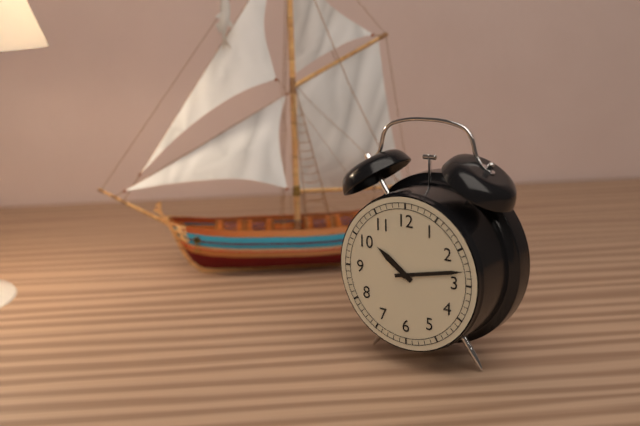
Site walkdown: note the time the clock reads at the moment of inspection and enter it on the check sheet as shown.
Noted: 10:13
